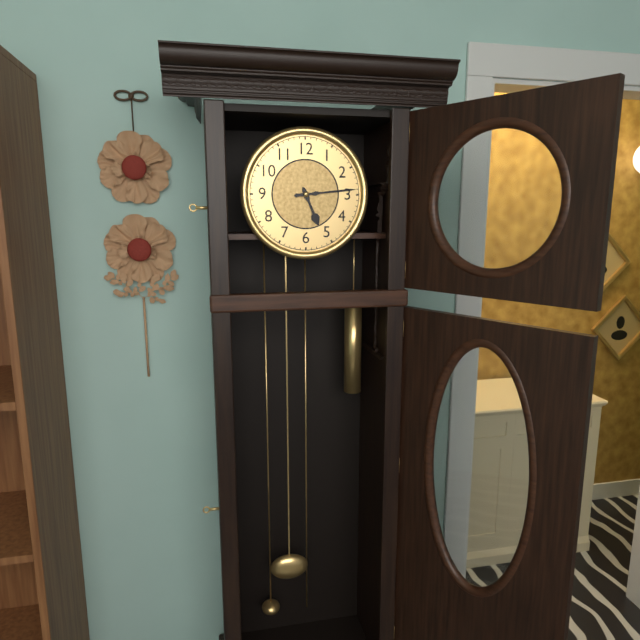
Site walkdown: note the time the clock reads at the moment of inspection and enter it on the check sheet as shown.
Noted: 5:14
